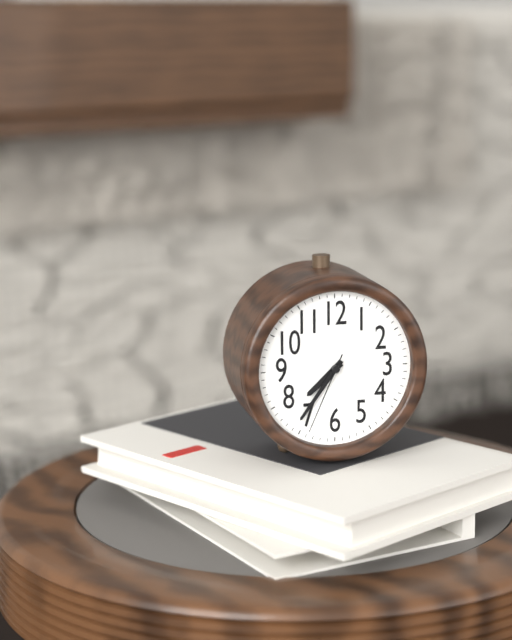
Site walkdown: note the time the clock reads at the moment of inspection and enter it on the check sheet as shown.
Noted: 7:36:34
